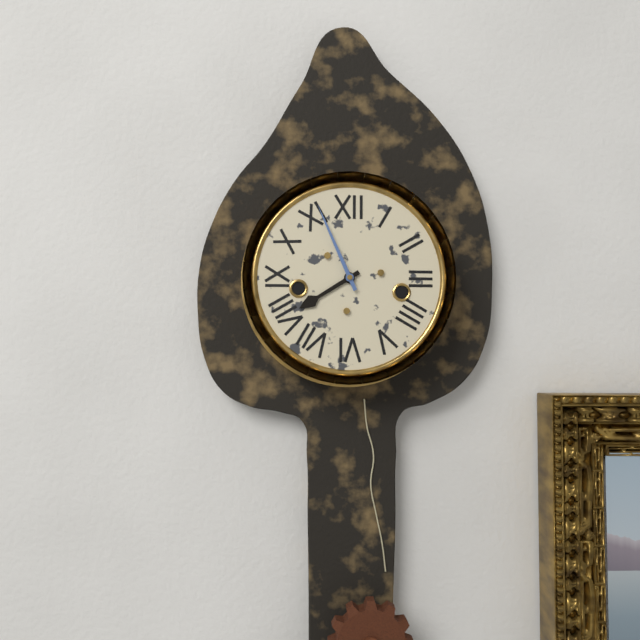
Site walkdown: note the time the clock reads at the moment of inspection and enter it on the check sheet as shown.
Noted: 7:56
